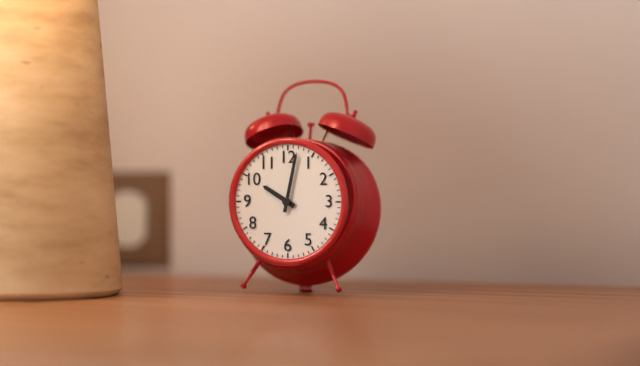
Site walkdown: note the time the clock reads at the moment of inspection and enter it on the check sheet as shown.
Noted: 10:02
